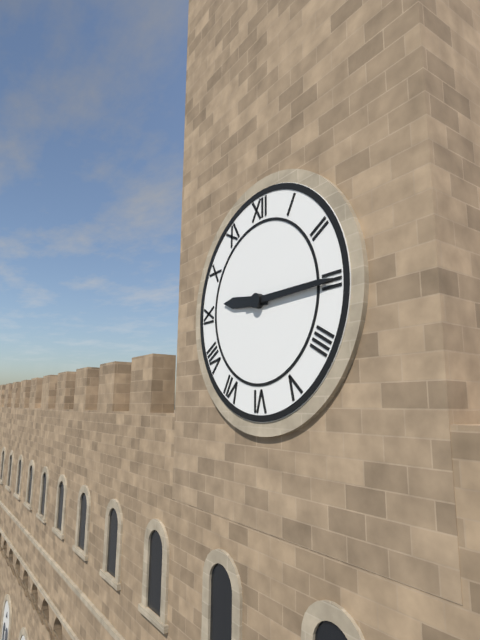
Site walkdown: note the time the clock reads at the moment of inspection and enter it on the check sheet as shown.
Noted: 9:15
